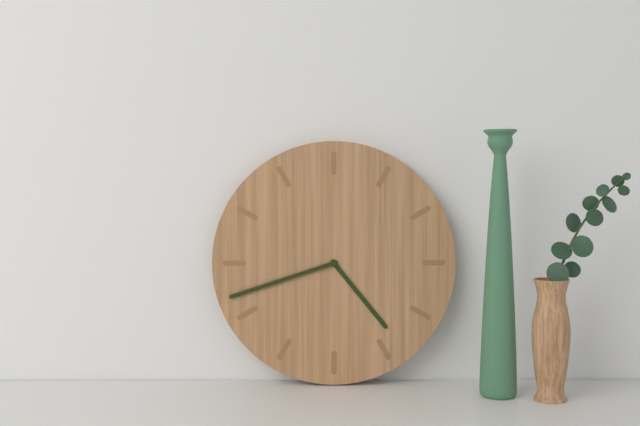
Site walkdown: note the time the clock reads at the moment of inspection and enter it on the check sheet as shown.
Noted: 4:42
